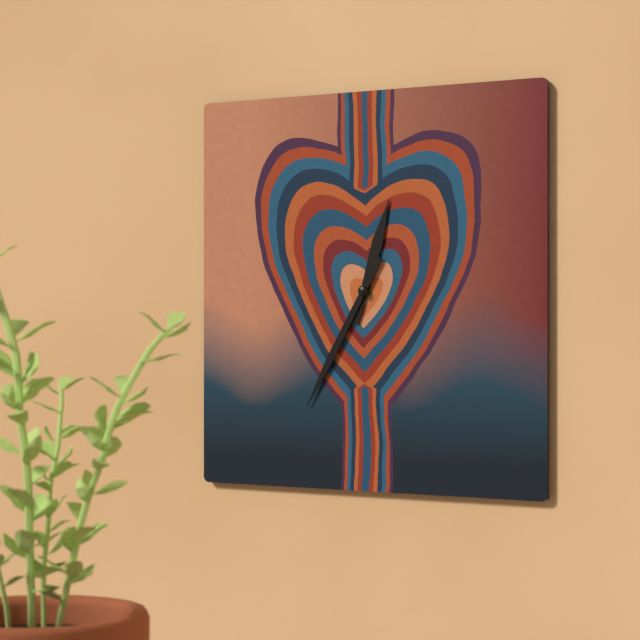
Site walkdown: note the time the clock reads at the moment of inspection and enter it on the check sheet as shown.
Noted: 12:35
